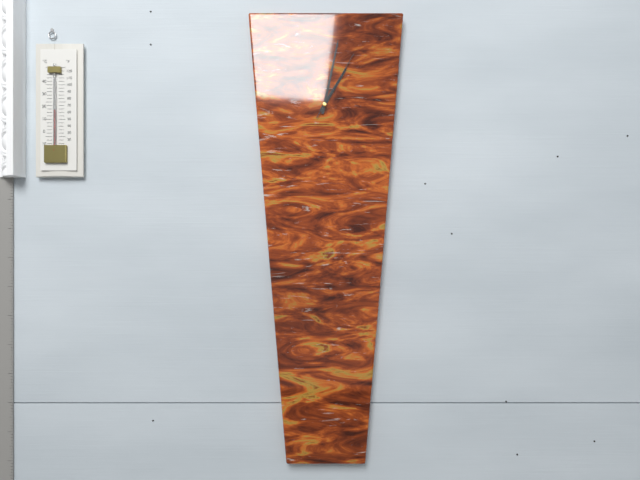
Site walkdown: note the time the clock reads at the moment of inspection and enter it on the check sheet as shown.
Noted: 1:02:05
